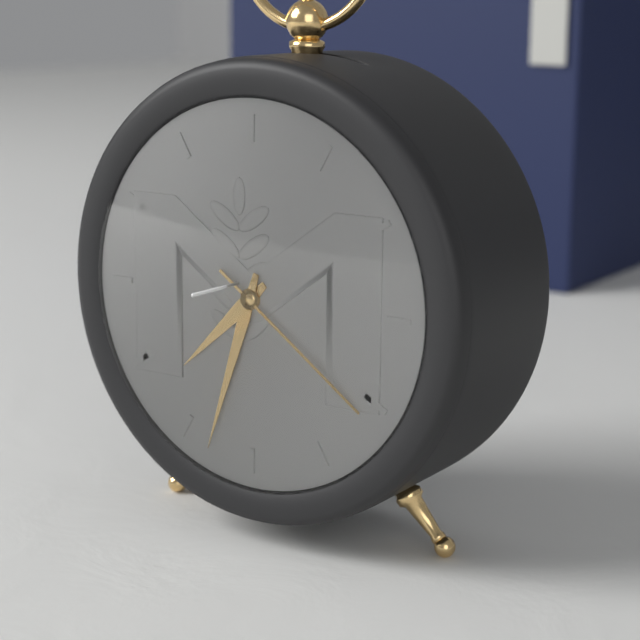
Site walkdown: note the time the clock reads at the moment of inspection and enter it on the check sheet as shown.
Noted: 7:33:21
